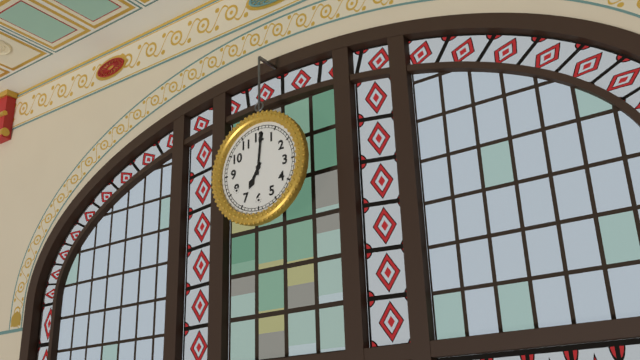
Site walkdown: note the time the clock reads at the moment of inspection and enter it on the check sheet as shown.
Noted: 7:01
